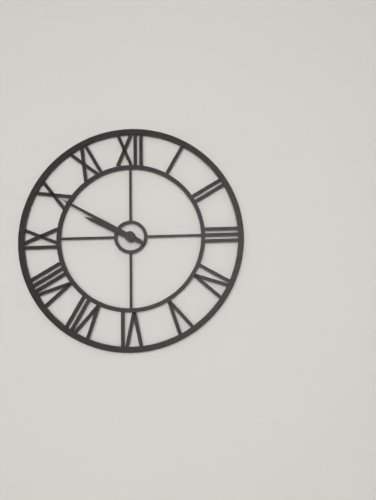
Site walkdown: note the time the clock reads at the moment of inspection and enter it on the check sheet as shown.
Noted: 9:50
